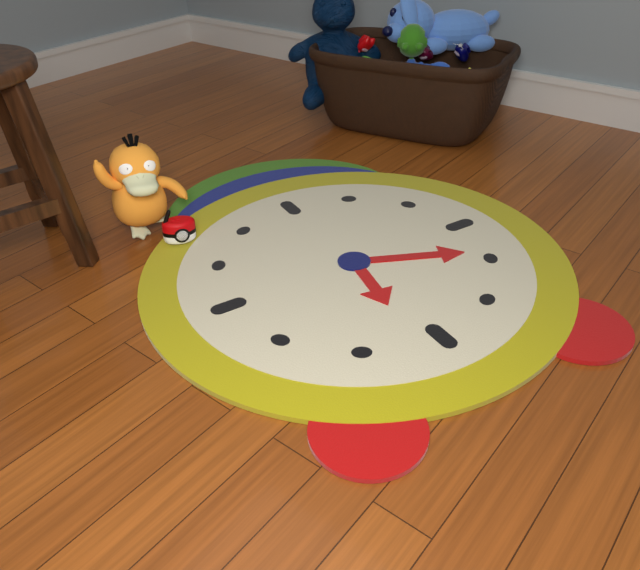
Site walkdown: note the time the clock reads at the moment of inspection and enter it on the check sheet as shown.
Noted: 6:19
